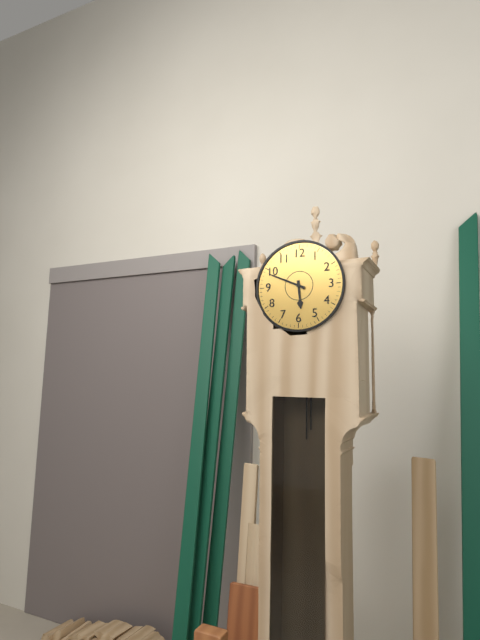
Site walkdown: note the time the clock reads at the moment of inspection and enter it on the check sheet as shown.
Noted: 5:49
